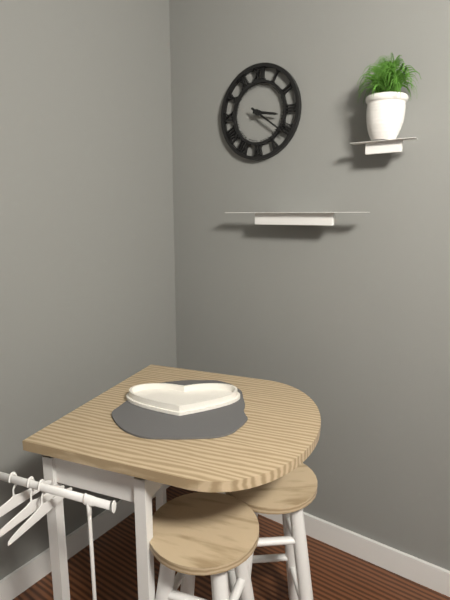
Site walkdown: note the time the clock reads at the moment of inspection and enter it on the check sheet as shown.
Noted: 3:21
